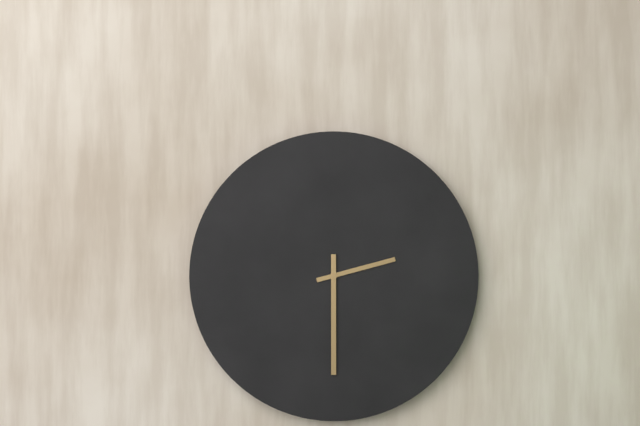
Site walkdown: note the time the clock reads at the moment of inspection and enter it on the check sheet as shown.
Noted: 2:30
